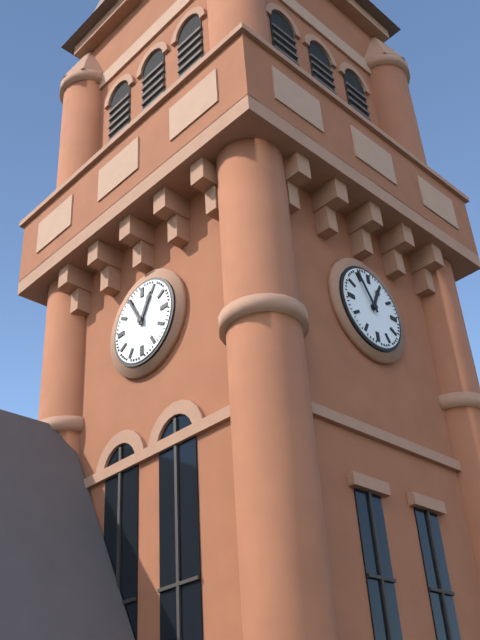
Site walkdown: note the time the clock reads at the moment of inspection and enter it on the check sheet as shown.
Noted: 12:55
